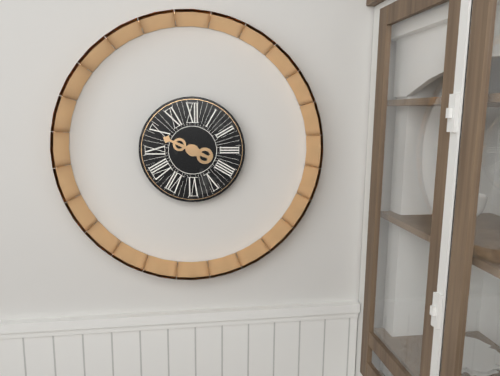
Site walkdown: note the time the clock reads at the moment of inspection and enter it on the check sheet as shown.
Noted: 3:49
